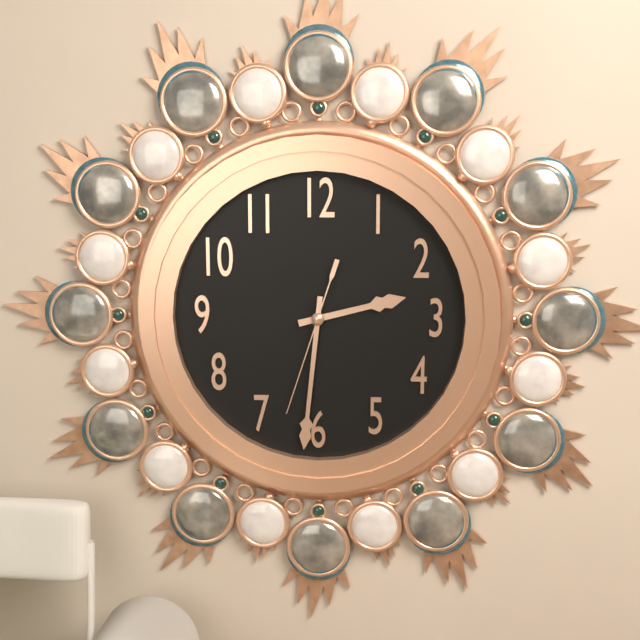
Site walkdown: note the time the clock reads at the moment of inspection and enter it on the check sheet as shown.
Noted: 2:31:33
